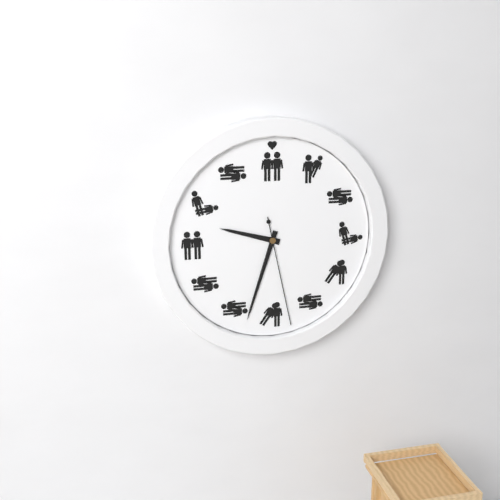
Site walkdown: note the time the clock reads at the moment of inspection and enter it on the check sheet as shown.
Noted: 9:33:28
